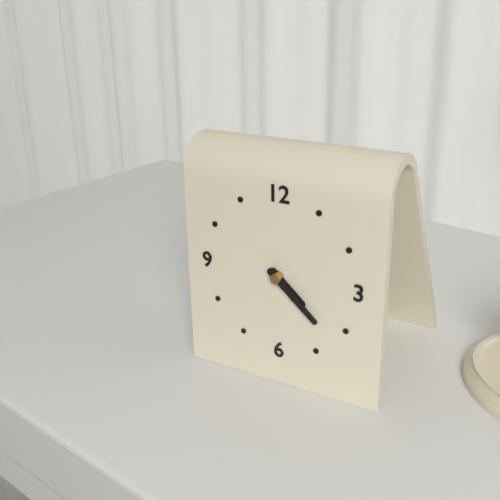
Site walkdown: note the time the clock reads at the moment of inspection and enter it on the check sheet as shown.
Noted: 4:22
